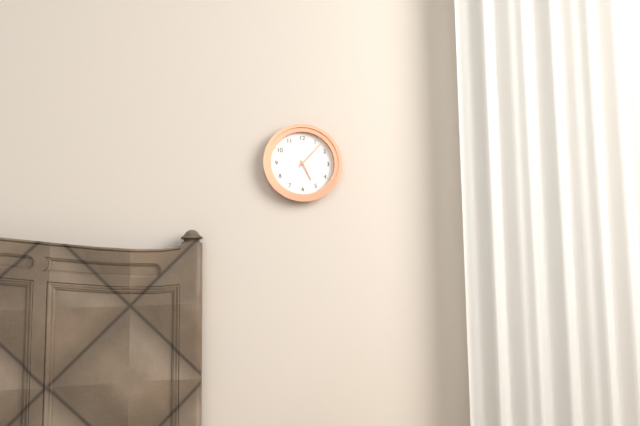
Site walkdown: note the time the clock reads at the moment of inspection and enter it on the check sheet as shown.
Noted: 5:07
